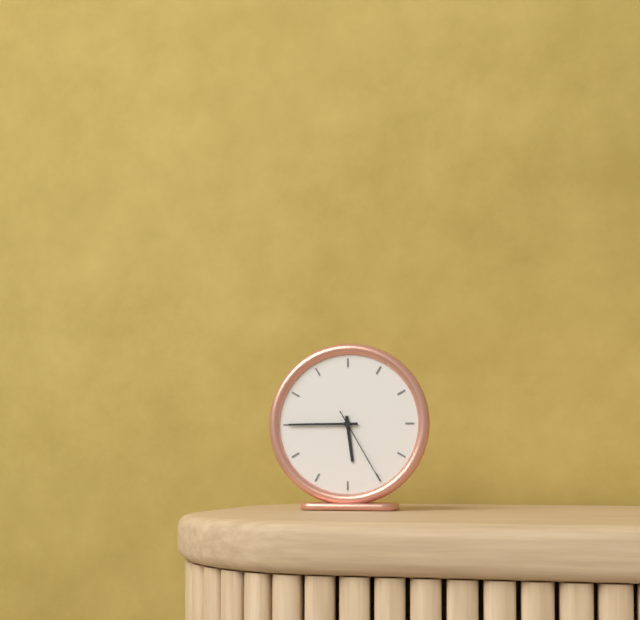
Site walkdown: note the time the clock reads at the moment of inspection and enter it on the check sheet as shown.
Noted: 5:45:25
